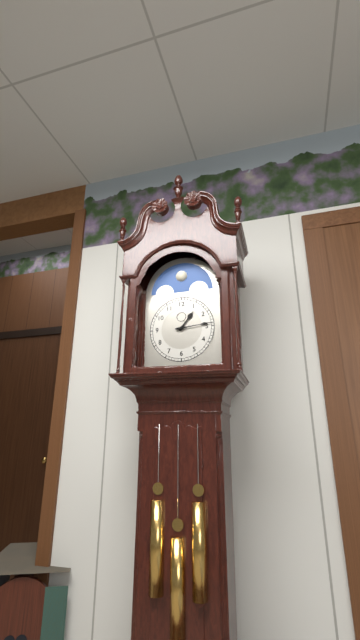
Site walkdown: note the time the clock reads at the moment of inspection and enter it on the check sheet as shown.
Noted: 1:14
